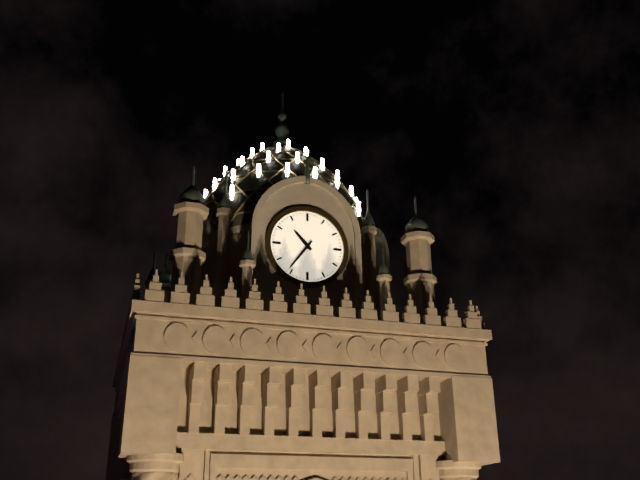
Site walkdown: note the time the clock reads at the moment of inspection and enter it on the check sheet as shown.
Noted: 10:36
